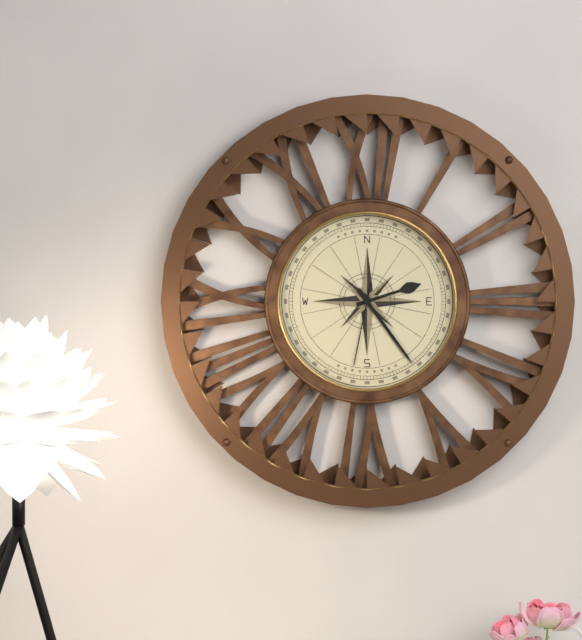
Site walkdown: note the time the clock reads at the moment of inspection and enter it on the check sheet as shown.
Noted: 2:24:32
